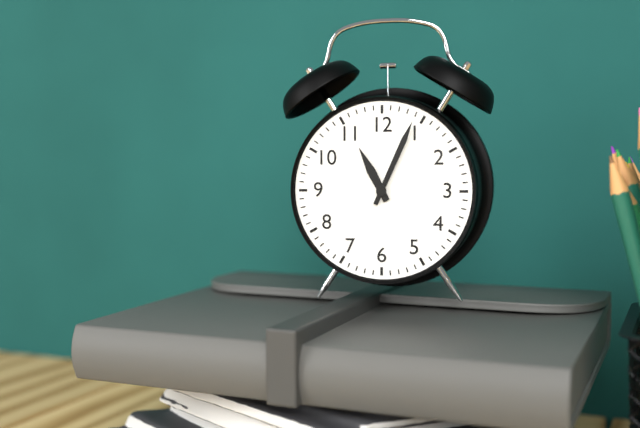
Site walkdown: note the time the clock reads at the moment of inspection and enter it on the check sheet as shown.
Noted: 11:04
